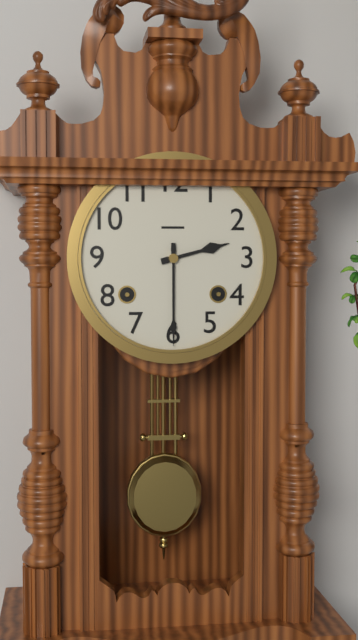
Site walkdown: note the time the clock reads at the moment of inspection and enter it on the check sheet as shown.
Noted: 2:30
